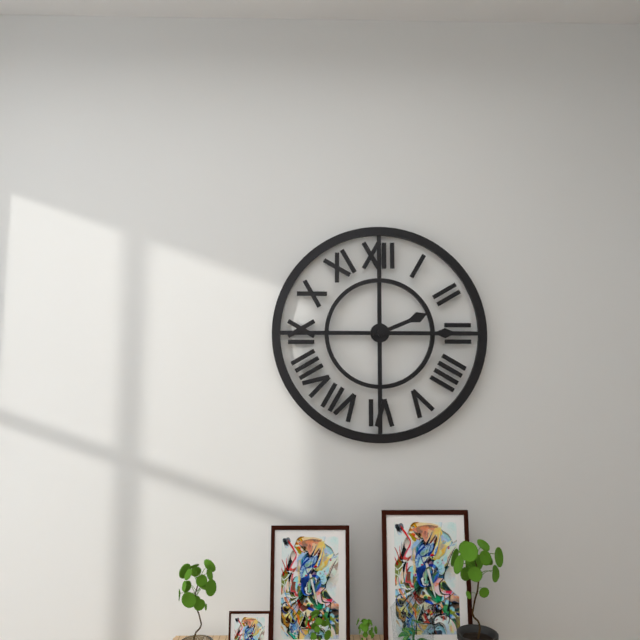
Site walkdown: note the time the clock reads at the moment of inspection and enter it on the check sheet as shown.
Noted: 2:15
